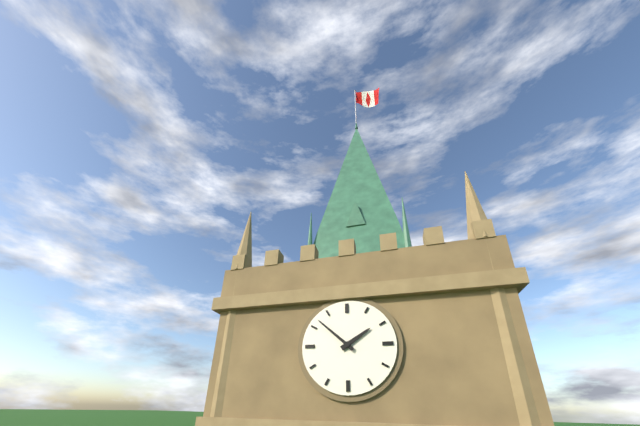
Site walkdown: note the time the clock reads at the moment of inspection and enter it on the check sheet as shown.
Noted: 1:52
